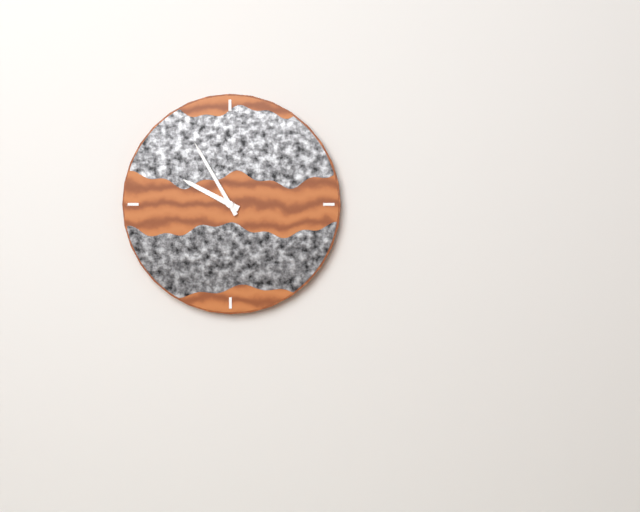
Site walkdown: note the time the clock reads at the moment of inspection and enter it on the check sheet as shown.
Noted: 9:55
